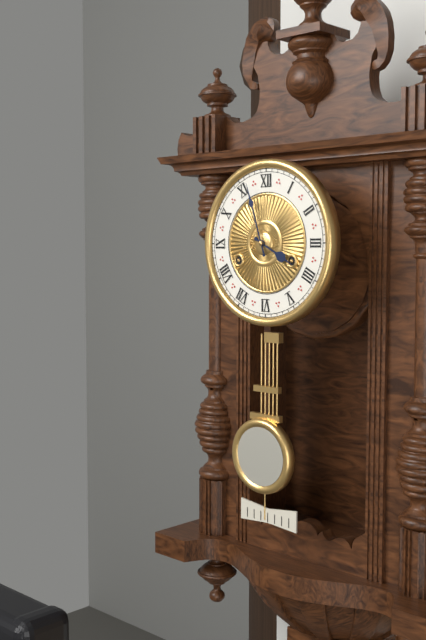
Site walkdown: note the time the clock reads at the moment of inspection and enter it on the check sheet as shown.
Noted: 3:57
